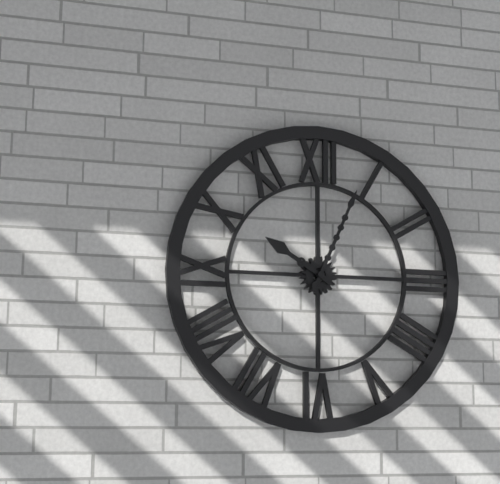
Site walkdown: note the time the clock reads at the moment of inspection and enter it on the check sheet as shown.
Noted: 10:04
